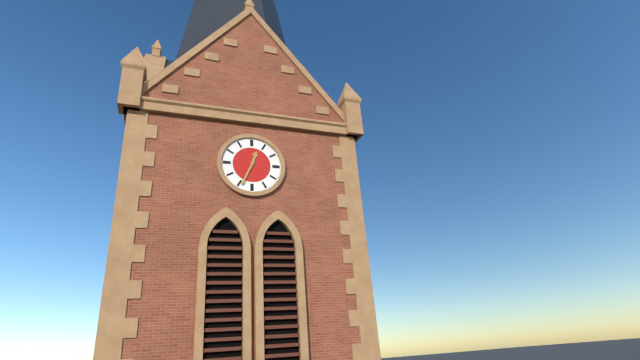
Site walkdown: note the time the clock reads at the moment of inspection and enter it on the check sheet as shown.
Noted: 12:34
